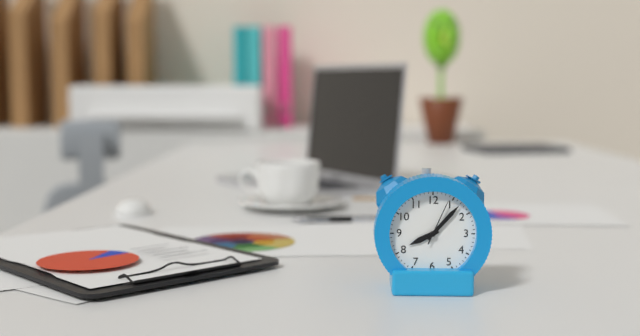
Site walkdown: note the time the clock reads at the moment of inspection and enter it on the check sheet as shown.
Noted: 8:07
